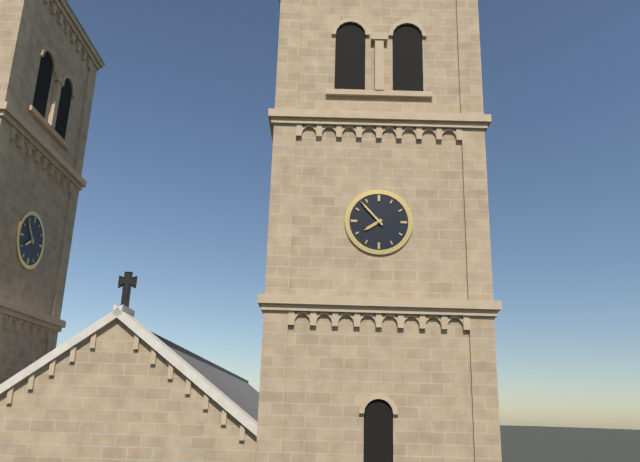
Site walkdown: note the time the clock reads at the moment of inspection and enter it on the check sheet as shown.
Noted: 7:53
